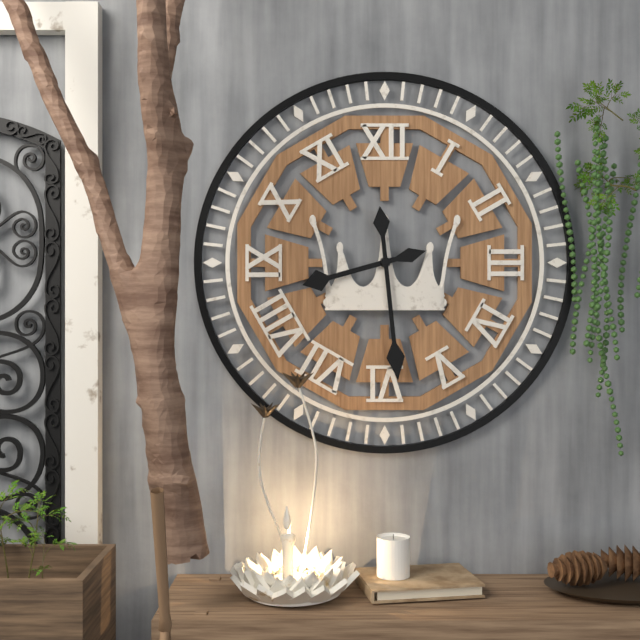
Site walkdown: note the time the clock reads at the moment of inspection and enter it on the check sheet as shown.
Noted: 8:29
